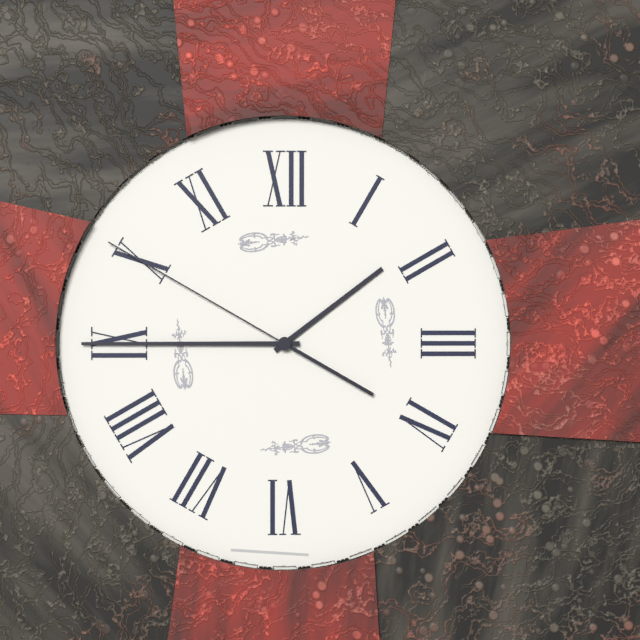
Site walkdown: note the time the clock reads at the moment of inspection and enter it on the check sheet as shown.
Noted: 1:45:50
